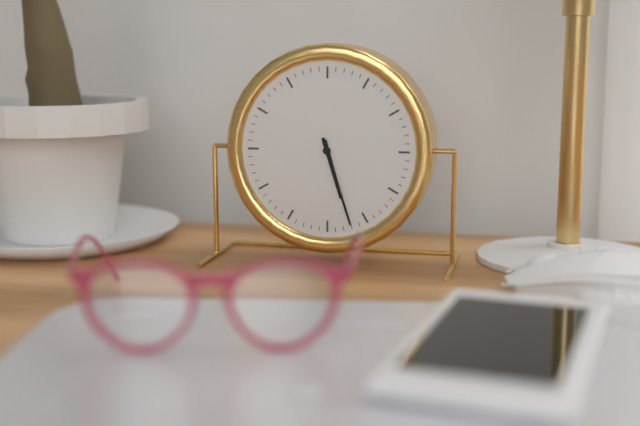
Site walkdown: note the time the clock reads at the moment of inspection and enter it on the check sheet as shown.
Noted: 5:27
